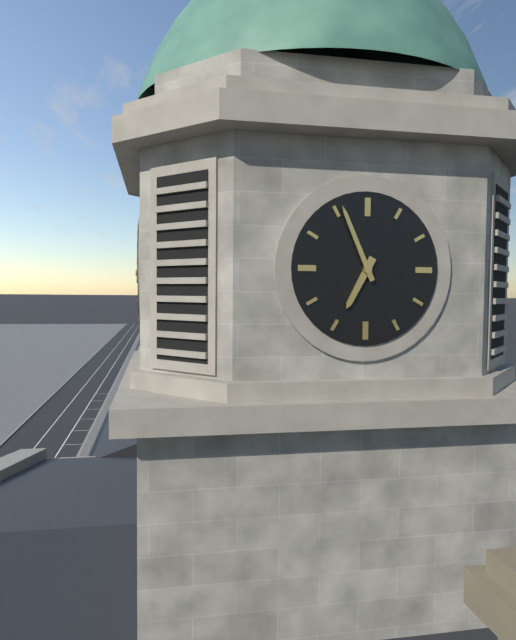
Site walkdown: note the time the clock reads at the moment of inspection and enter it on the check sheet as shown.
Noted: 6:56
